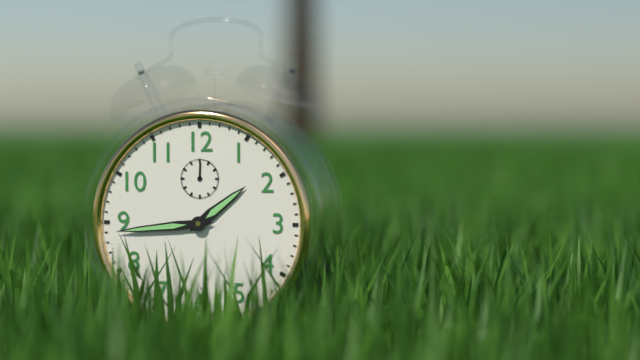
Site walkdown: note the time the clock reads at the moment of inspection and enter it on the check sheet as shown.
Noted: 1:44
